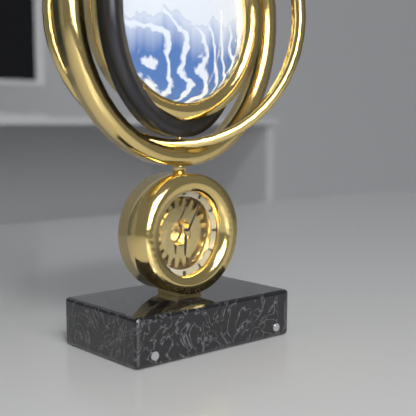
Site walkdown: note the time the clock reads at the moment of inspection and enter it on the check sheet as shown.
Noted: 6:05
